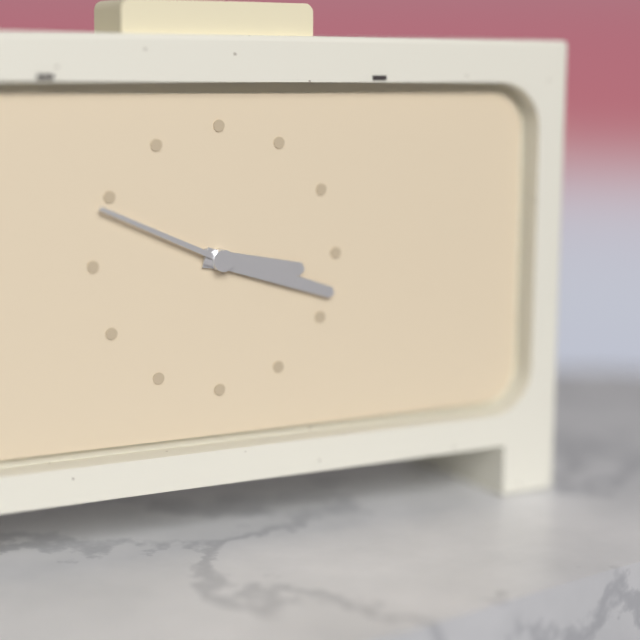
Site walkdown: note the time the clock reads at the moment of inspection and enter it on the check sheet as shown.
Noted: 3:18:49
